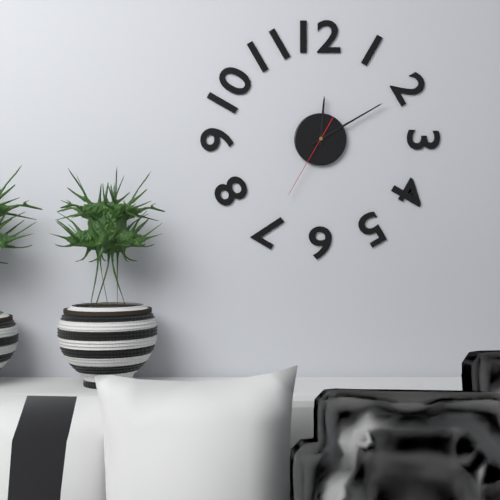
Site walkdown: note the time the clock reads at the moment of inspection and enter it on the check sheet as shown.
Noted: 12:10:35
